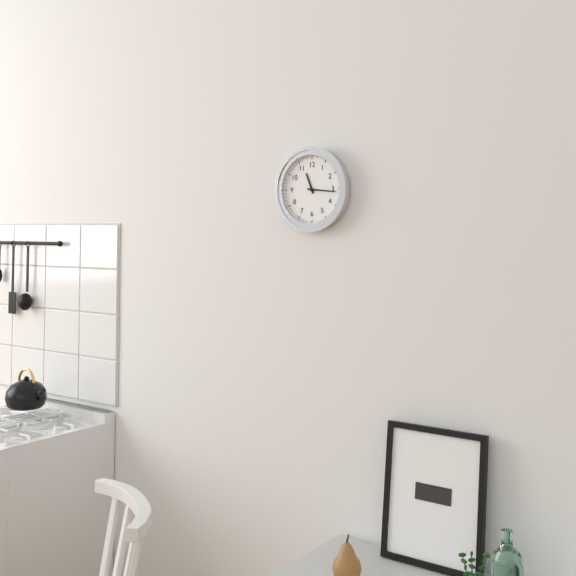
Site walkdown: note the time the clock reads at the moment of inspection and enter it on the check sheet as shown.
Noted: 11:16
